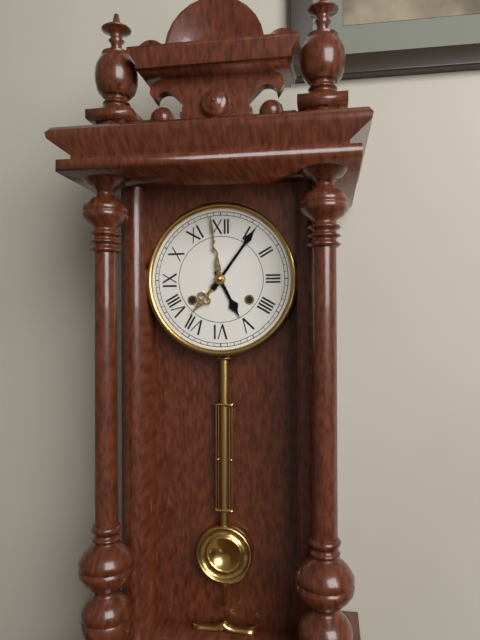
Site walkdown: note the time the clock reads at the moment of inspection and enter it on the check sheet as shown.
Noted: 5:06
